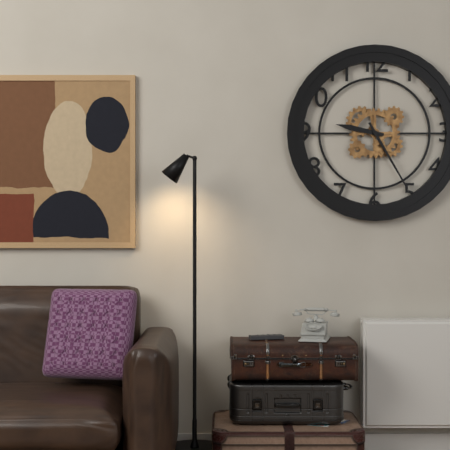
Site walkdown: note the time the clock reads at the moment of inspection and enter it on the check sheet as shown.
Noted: 9:25
